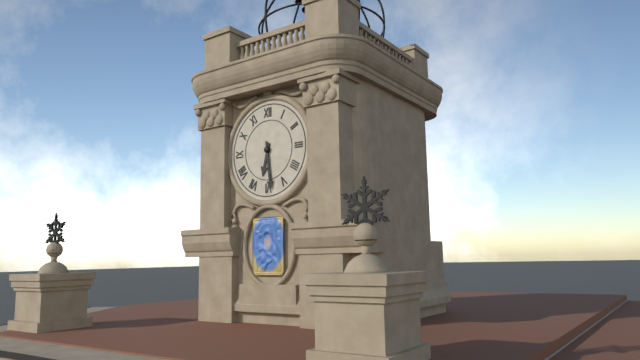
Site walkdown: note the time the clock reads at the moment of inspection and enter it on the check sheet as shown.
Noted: 6:29
